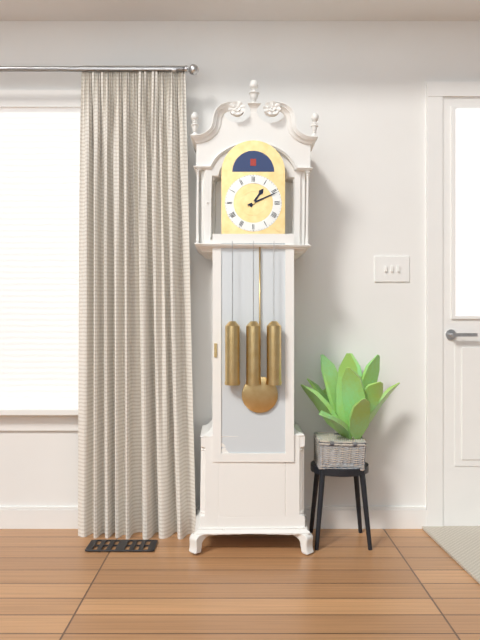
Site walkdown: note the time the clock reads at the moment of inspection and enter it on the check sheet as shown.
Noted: 1:11
